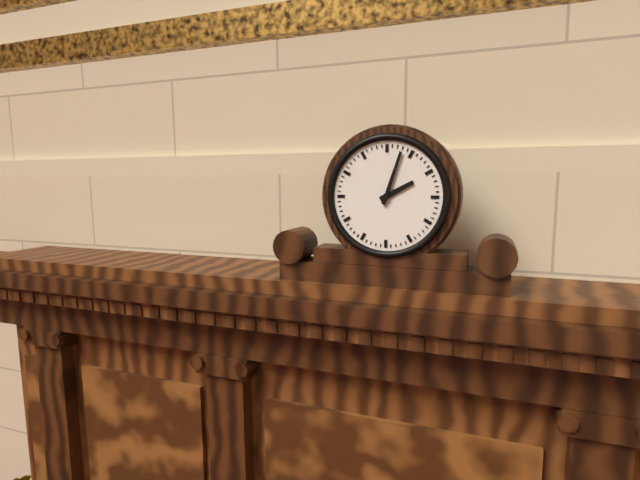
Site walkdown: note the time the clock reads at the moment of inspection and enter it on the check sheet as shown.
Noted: 2:03
